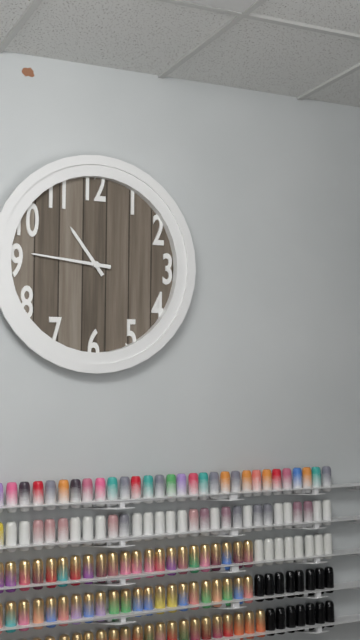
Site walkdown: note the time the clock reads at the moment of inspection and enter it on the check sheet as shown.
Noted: 10:46
